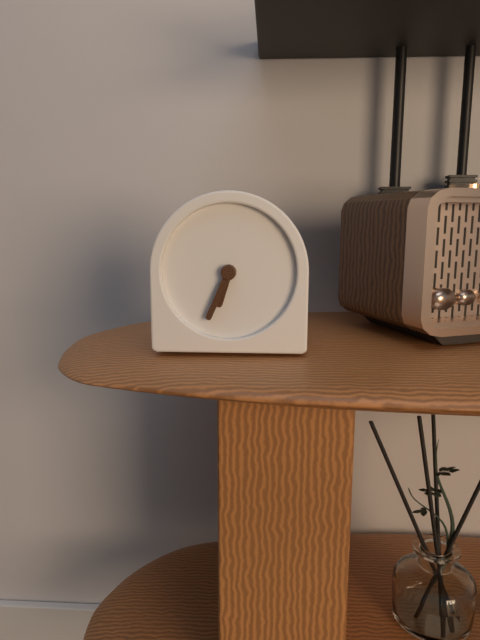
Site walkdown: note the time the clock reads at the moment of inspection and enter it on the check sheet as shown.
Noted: 6:34
